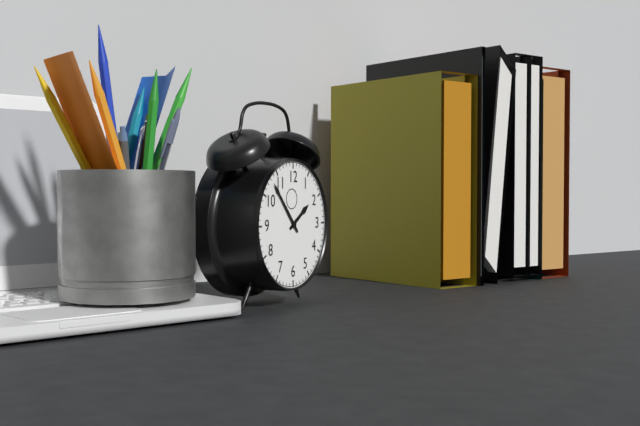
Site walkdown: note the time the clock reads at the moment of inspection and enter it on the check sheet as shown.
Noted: 1:53
